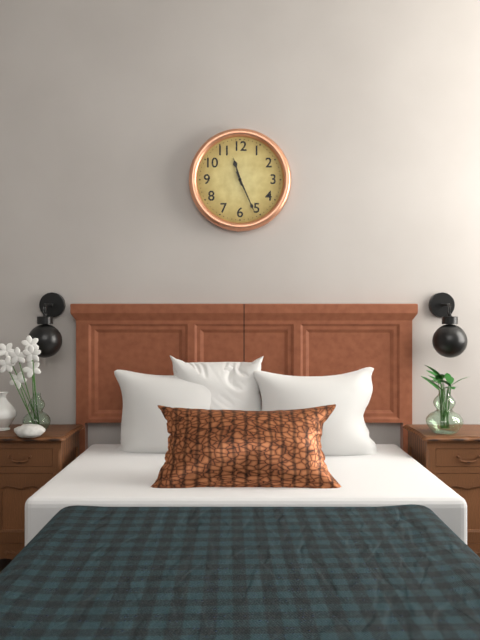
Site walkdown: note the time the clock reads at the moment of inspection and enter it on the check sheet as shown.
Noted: 11:26
